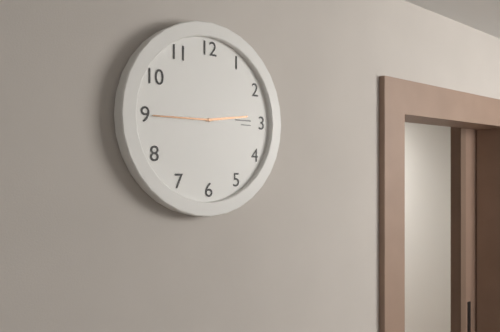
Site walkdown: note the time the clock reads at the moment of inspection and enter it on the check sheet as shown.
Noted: 2:45
